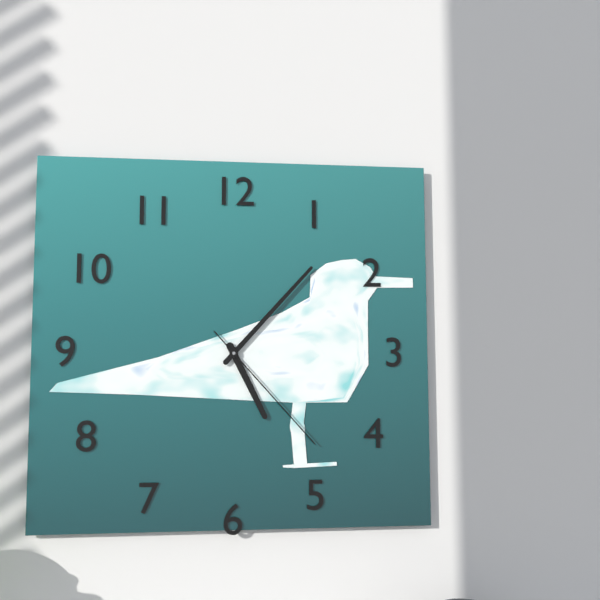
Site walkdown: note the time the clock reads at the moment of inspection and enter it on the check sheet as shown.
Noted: 5:07:23
